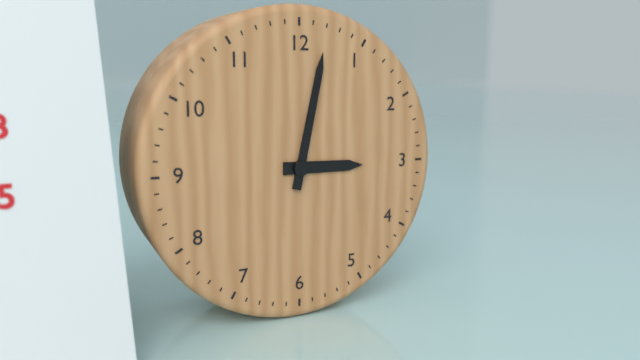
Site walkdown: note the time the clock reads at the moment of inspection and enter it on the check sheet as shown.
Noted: 3:02
